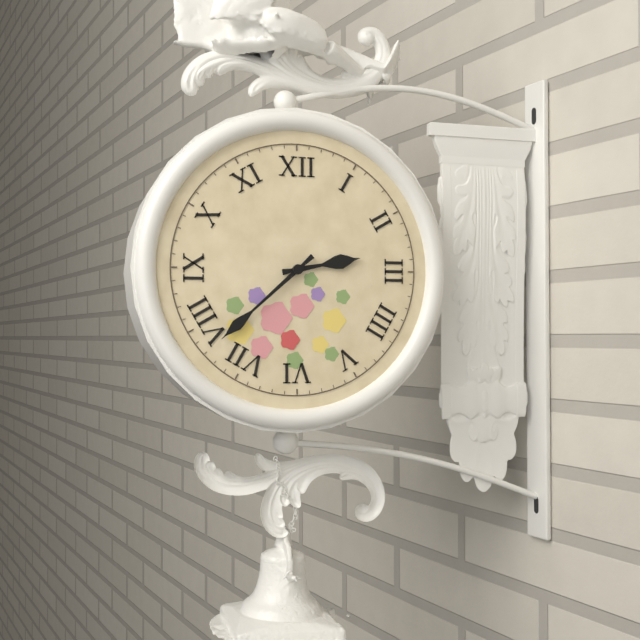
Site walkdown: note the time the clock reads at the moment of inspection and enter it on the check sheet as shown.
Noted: 2:38
